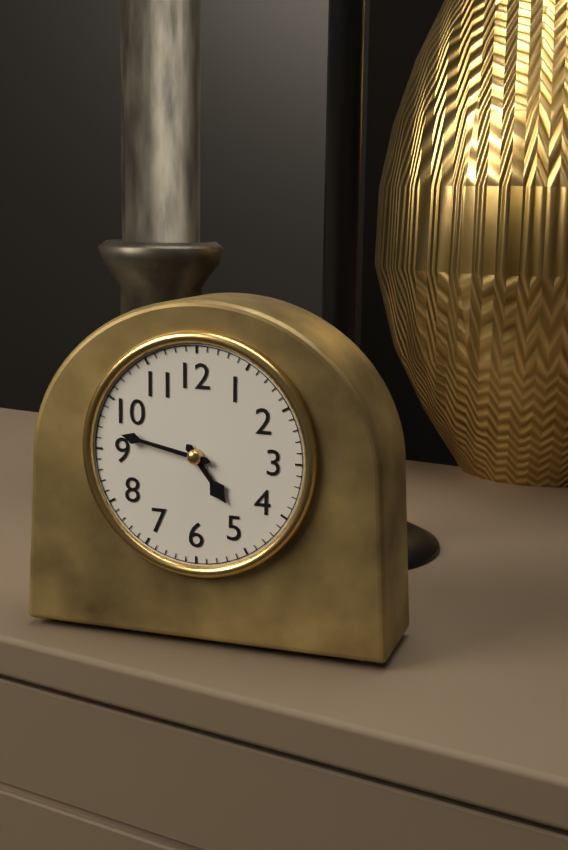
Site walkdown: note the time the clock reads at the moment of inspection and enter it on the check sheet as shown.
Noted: 4:47
